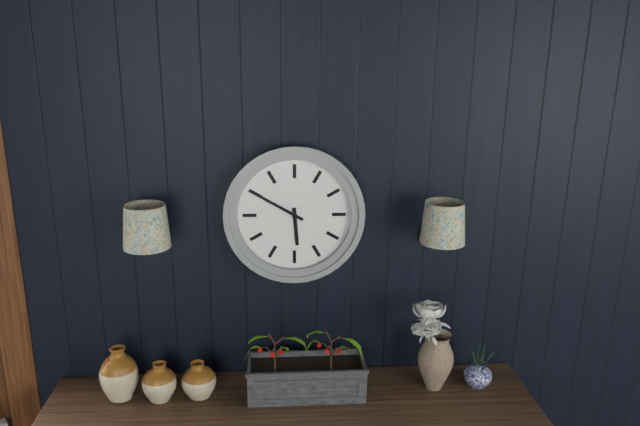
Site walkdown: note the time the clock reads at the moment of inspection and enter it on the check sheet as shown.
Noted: 5:50
